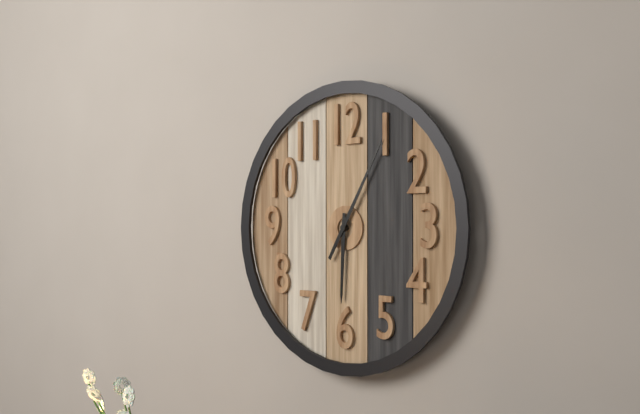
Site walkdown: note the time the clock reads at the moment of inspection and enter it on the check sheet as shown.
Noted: 6:05
